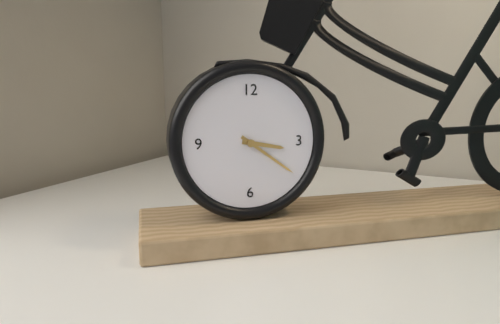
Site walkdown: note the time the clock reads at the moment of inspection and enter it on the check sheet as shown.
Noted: 3:21
